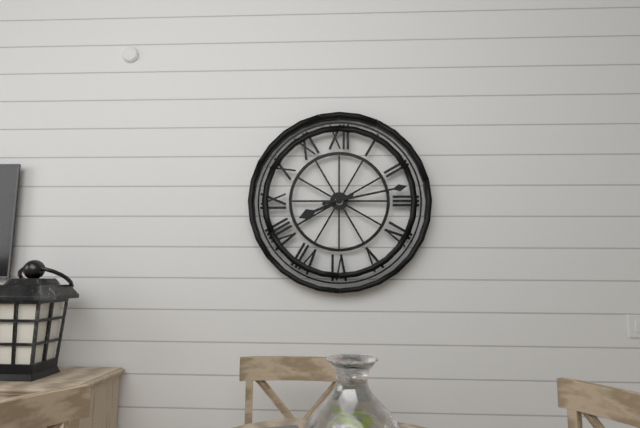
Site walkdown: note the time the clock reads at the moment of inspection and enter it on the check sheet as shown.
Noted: 8:13
